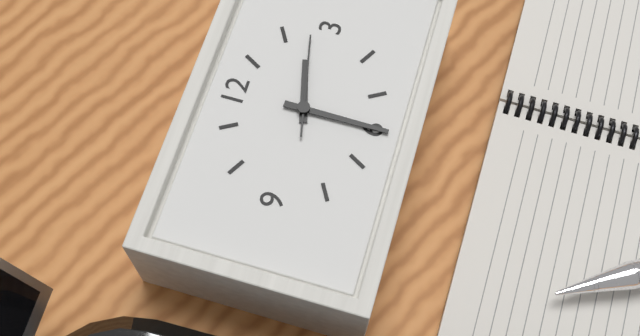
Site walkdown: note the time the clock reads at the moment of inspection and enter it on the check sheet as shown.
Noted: 2:30:13
